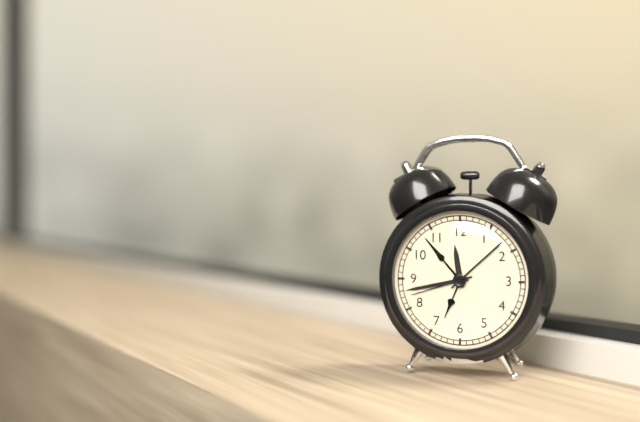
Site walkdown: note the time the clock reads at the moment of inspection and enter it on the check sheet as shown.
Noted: 11:43:42
